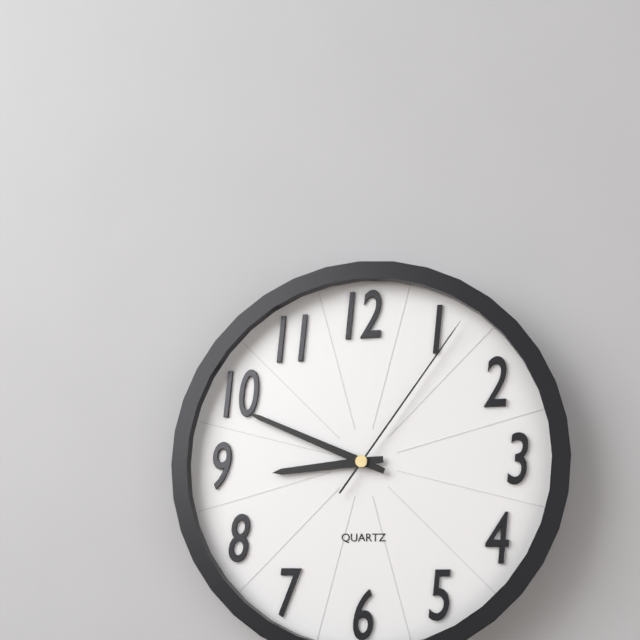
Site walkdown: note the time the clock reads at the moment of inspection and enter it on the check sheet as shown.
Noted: 8:49:06
